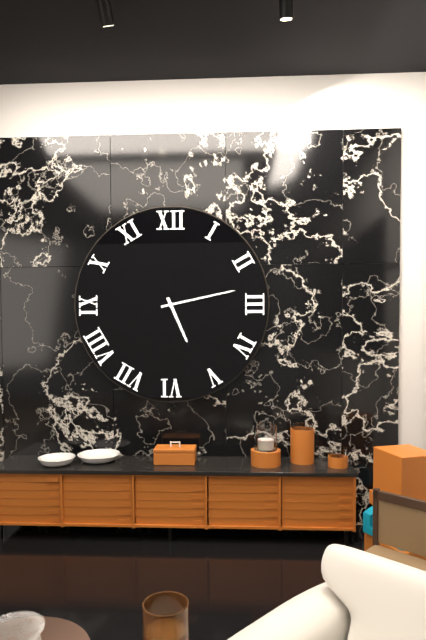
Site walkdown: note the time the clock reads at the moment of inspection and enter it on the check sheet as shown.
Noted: 5:13
